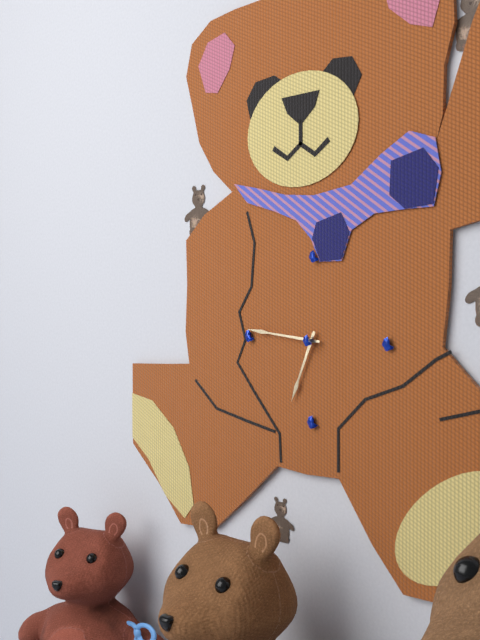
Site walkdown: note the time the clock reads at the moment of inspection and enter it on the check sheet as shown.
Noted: 6:46
